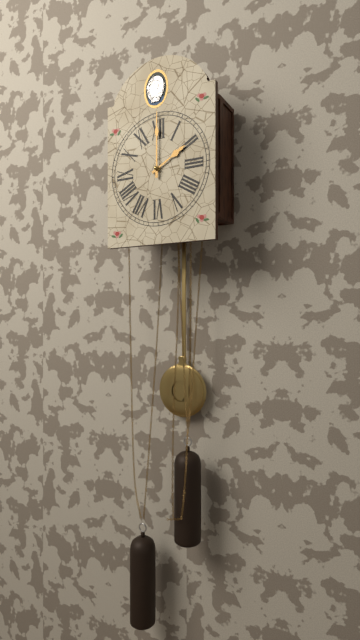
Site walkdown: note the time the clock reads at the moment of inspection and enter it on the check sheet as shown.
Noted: 2:00
